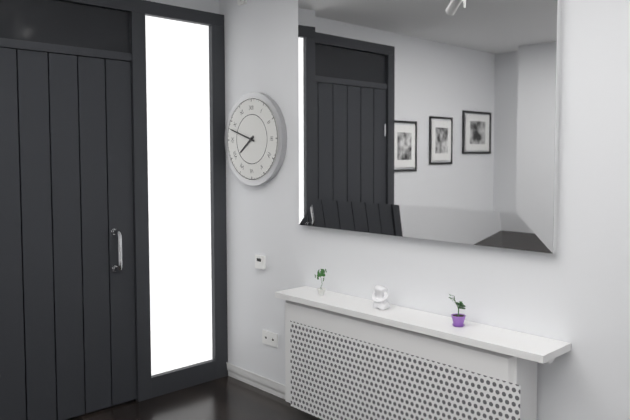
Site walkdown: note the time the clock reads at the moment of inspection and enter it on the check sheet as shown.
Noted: 7:48
